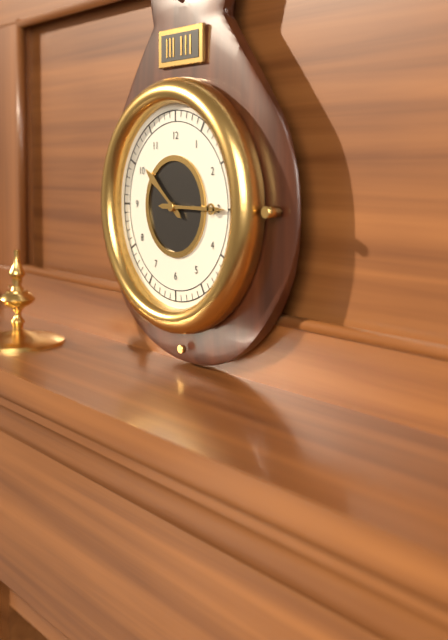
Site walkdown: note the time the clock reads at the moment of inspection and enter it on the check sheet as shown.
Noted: 10:15
